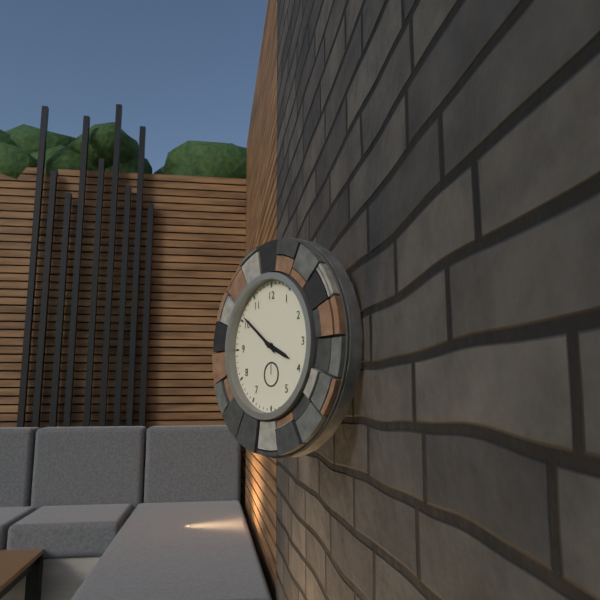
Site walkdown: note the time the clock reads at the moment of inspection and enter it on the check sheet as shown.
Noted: 3:51
